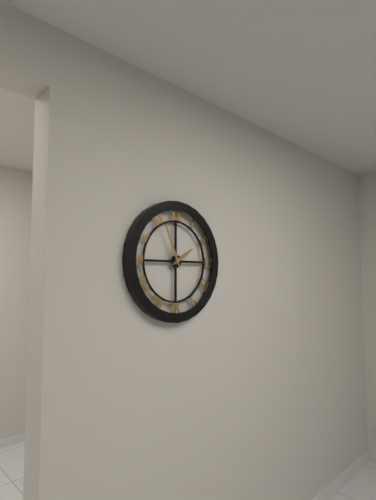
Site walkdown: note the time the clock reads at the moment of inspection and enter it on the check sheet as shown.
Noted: 1:56
